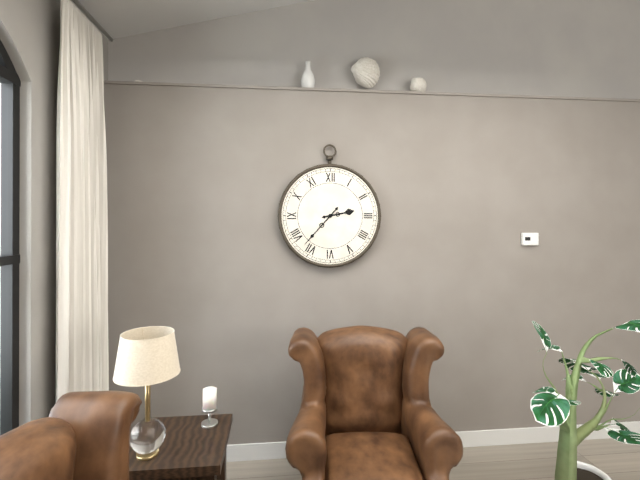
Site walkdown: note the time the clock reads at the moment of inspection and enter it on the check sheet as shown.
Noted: 2:37
